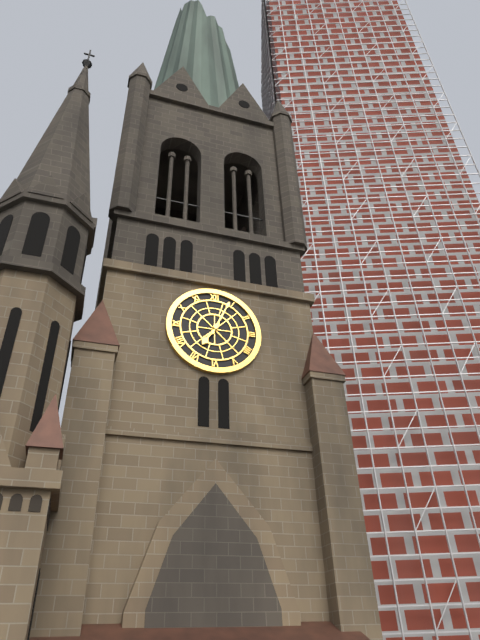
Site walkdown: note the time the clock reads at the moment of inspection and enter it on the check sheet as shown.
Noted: 7:04
